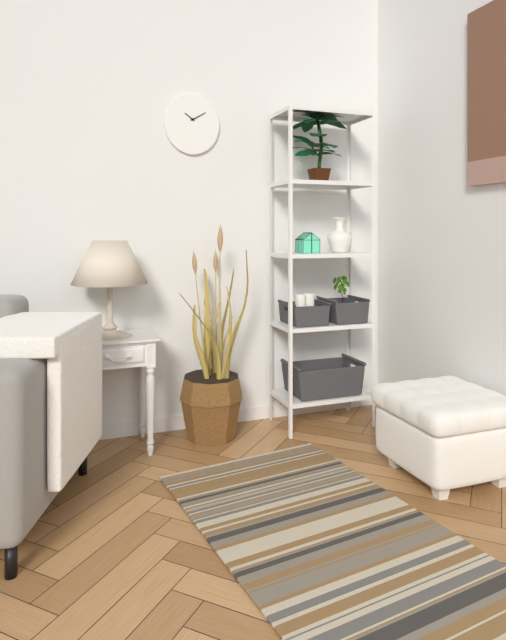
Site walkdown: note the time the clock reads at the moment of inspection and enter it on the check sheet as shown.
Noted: 10:10
